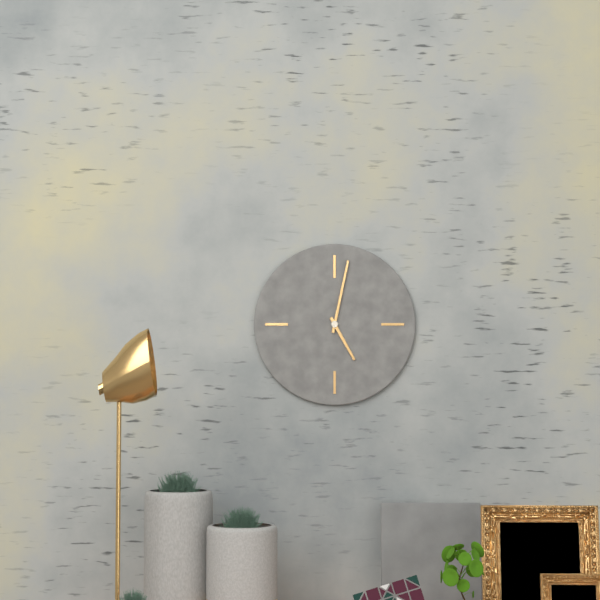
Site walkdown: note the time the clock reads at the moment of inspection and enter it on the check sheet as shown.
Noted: 5:02
